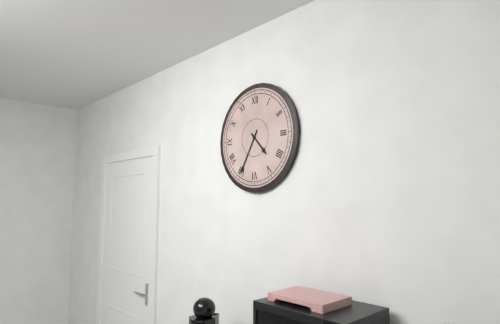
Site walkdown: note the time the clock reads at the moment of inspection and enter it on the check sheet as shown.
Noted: 4:35
